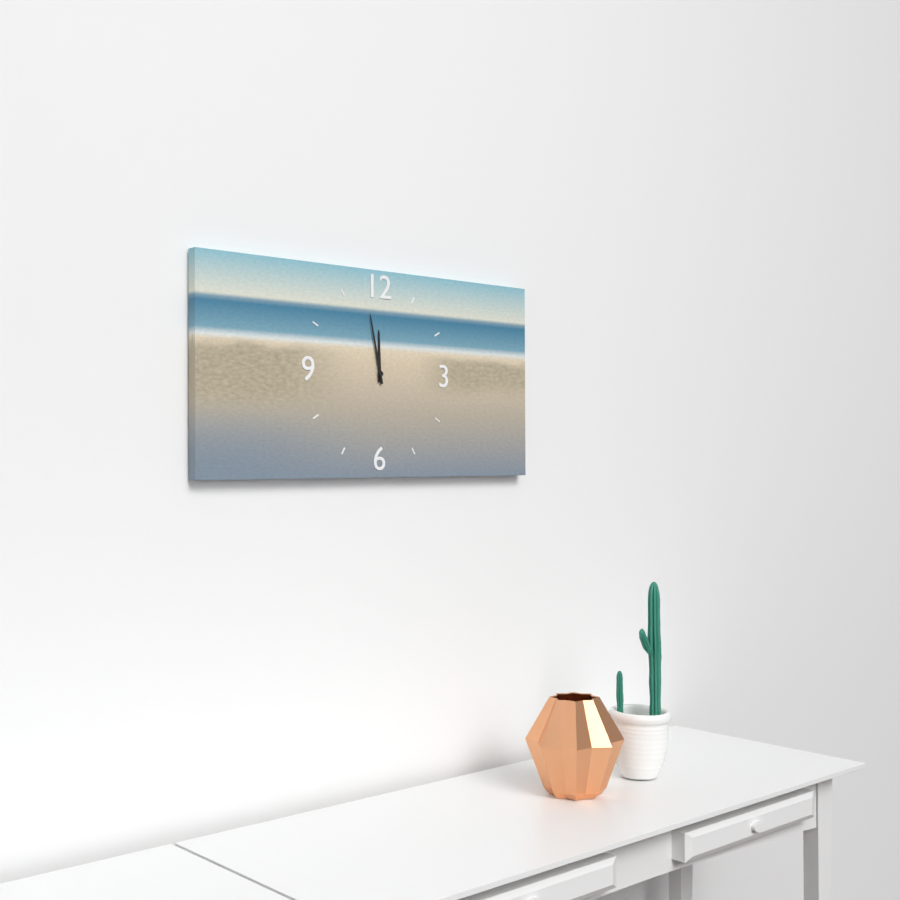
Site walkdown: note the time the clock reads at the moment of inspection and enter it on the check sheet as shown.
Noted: 11:58
